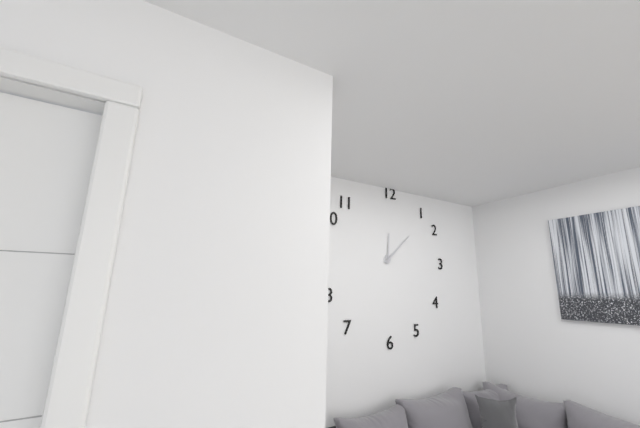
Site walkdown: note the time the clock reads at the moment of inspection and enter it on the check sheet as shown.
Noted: 12:08
